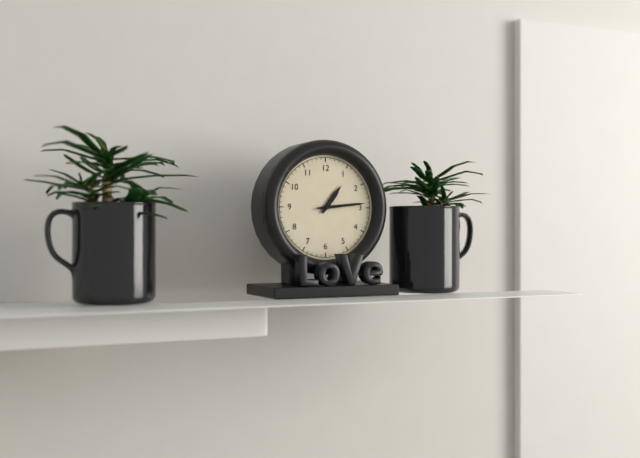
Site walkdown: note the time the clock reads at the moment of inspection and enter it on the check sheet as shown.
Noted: 1:14
